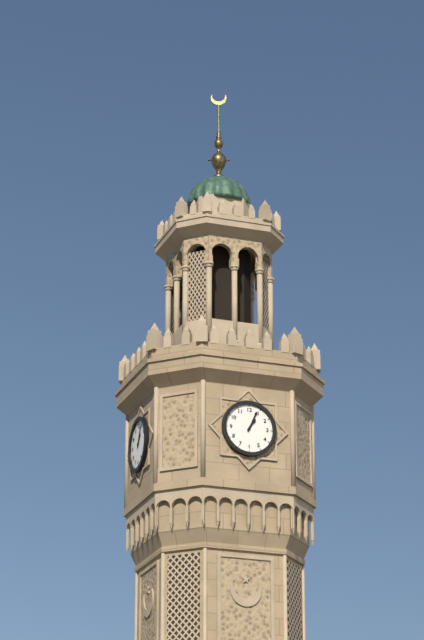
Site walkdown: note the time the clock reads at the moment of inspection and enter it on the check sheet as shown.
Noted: 1:04
